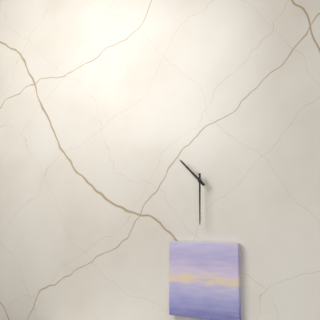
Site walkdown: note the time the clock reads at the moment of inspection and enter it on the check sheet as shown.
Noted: 10:30
